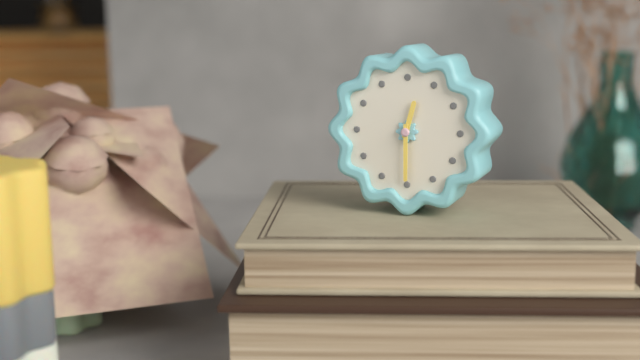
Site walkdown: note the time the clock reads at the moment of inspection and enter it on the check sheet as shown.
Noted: 12:30
